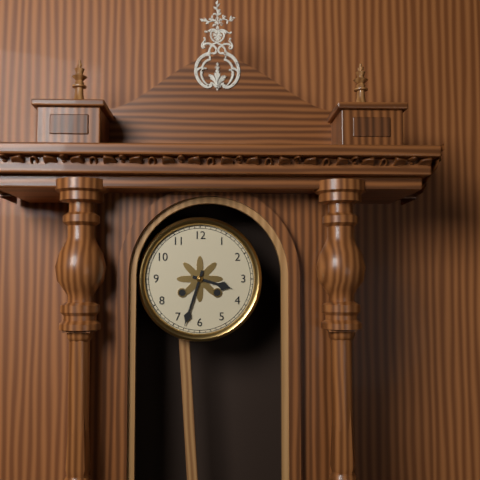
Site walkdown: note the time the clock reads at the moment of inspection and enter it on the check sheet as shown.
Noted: 3:33
